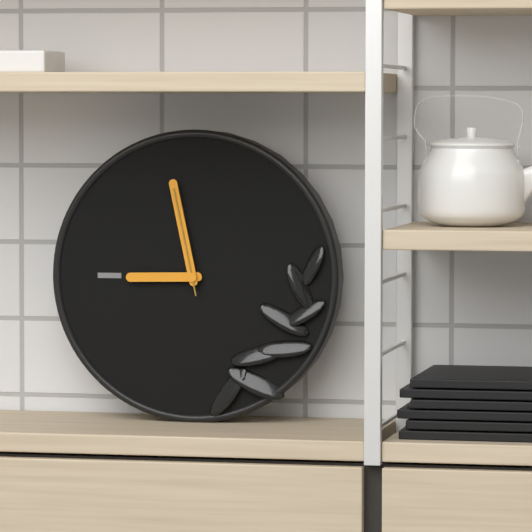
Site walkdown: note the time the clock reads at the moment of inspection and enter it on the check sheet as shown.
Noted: 8:58:58
